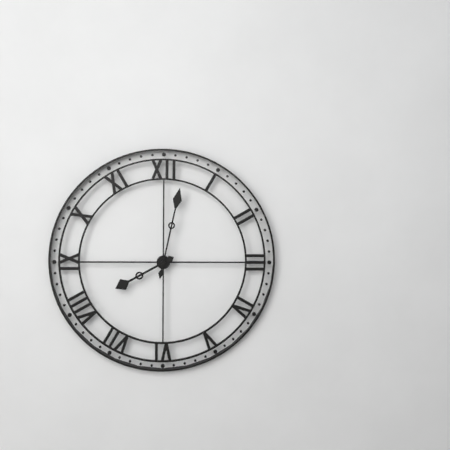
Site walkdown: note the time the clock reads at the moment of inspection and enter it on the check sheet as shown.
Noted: 8:02
